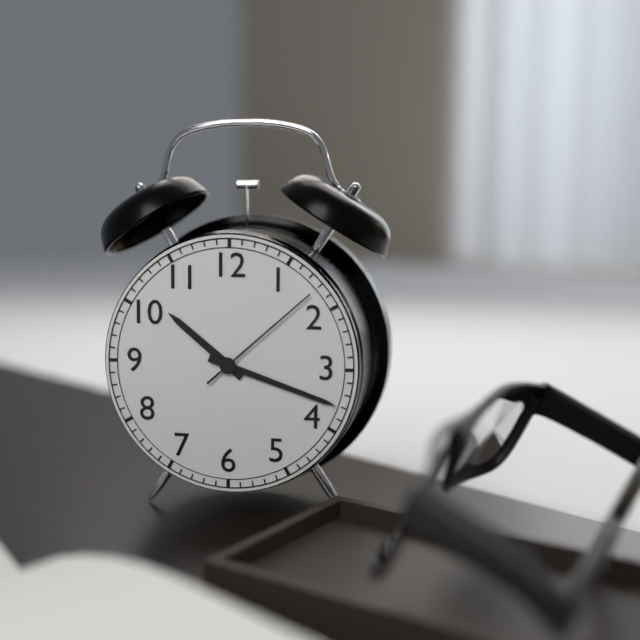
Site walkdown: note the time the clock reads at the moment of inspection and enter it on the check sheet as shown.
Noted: 10:18:08
